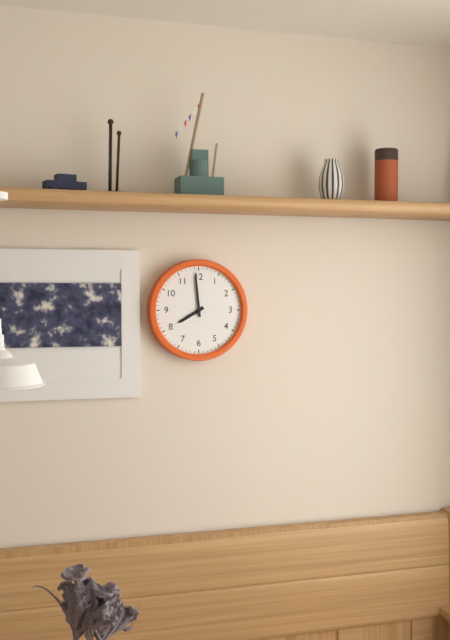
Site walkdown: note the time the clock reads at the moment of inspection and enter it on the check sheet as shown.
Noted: 7:59
